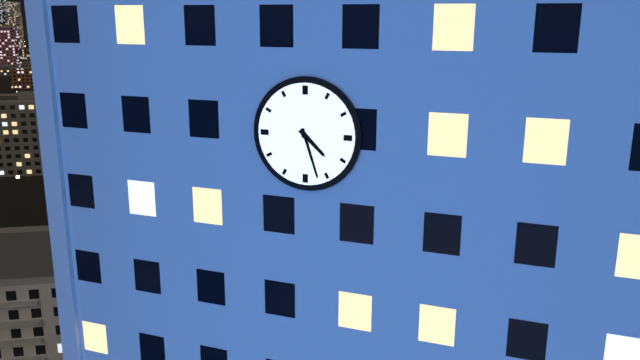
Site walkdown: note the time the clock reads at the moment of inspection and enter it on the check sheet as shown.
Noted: 4:27
